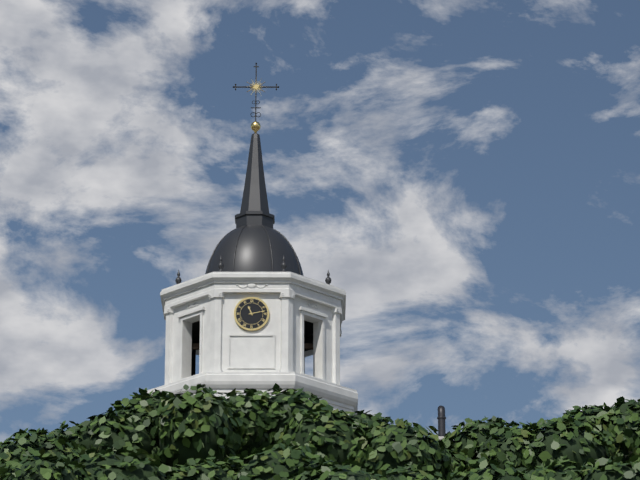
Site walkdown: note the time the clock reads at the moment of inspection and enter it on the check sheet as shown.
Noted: 11:13
